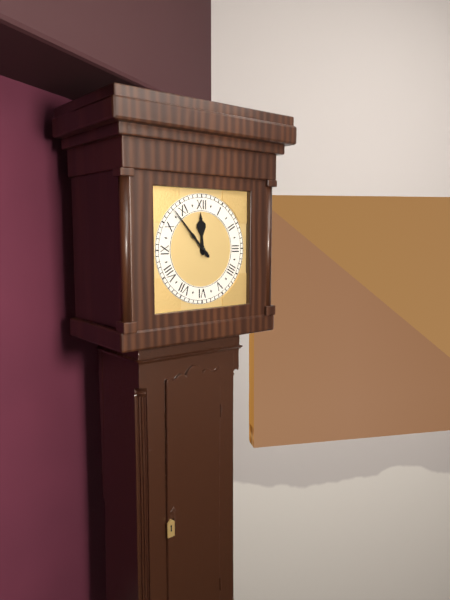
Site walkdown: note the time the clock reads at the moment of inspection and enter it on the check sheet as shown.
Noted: 11:53
